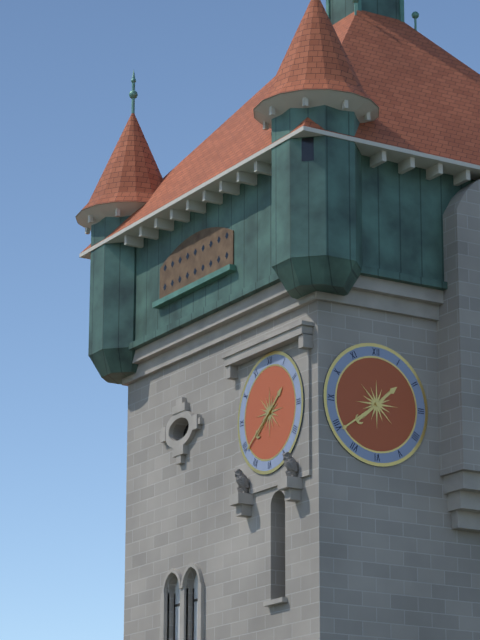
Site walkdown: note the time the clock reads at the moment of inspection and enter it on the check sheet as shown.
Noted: 1:39
